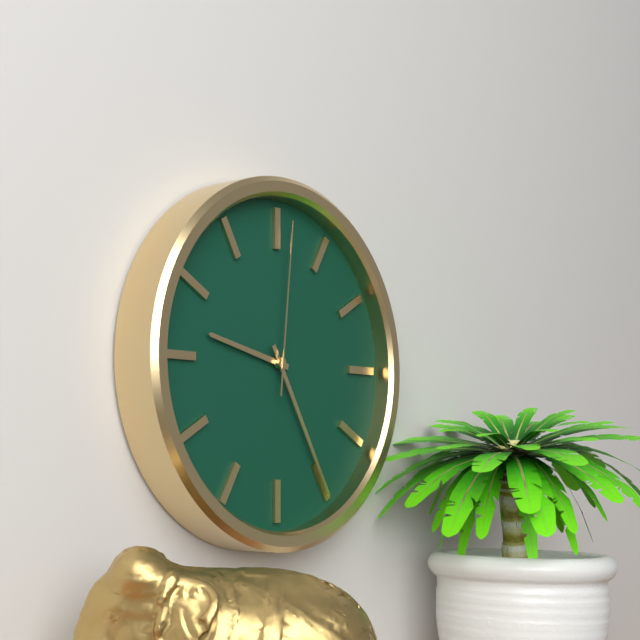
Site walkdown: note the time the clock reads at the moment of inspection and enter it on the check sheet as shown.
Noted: 9:25:01
